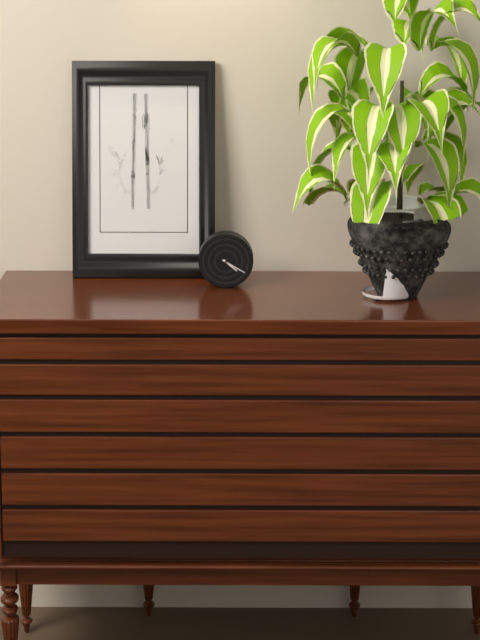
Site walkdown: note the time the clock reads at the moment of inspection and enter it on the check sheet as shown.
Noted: 4:20
